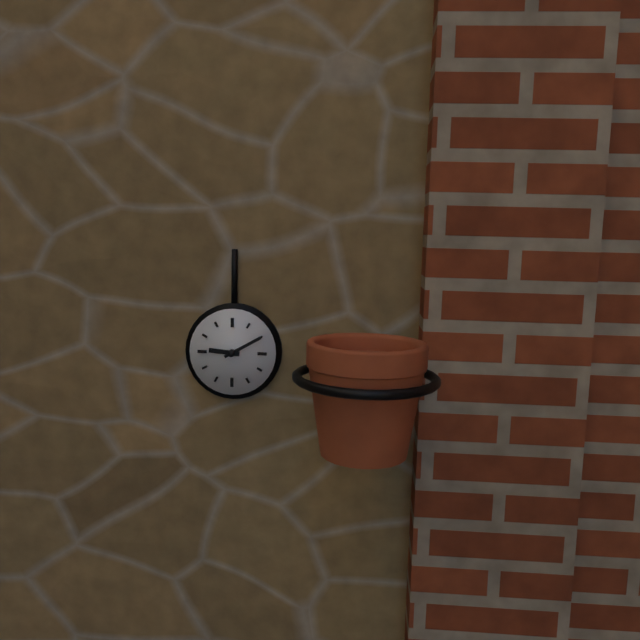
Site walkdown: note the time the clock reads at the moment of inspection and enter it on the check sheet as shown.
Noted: 9:10
